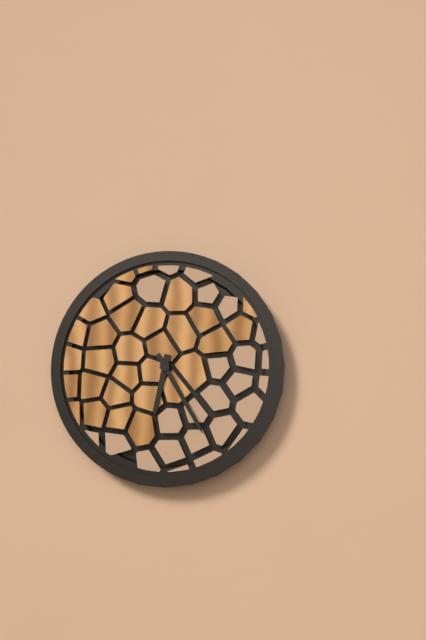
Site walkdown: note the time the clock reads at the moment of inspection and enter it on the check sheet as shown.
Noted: 6:25
